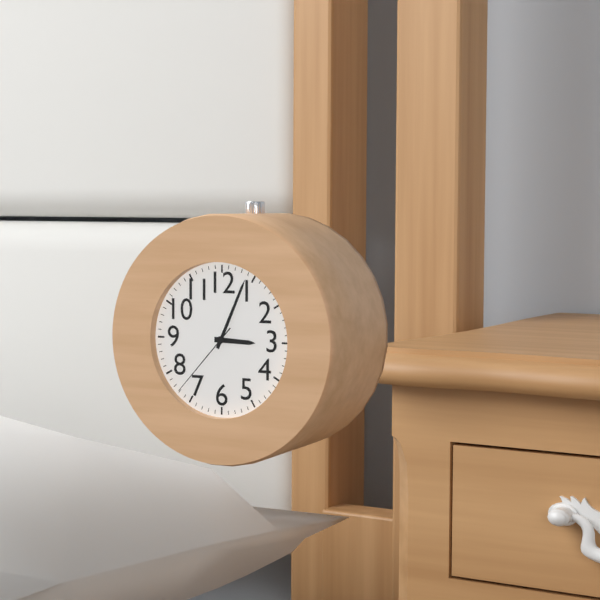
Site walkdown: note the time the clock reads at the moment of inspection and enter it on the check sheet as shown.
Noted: 3:04:37
